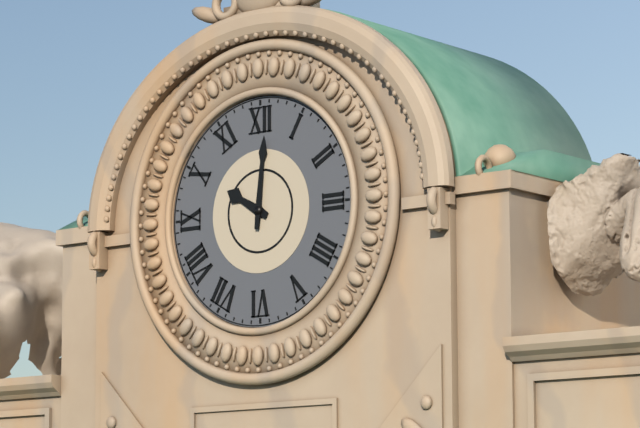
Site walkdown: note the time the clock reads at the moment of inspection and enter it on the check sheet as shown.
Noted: 10:01
